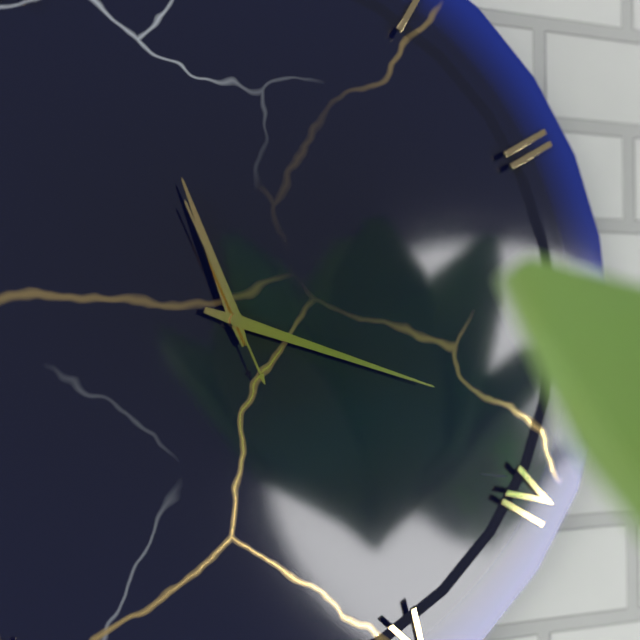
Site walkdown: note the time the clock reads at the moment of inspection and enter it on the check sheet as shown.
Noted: 11:18:56
